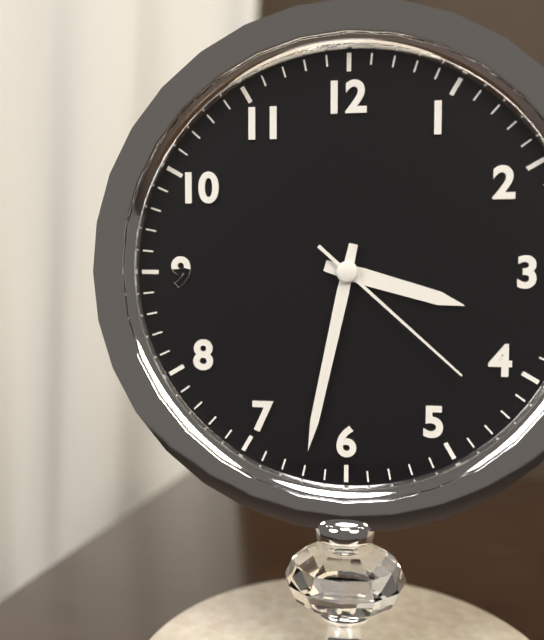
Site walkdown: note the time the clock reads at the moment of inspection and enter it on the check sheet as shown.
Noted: 3:32:22
